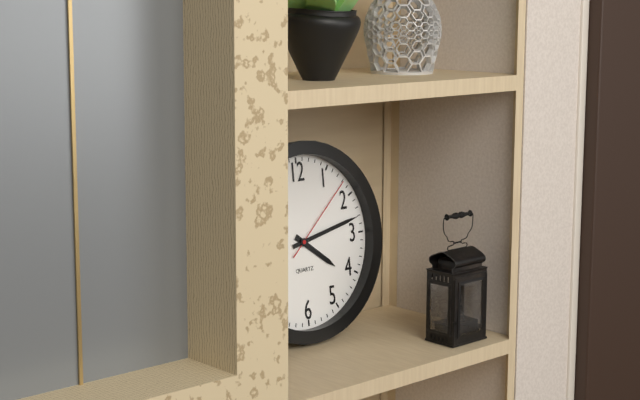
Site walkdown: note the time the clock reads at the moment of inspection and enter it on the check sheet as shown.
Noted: 4:13:08
